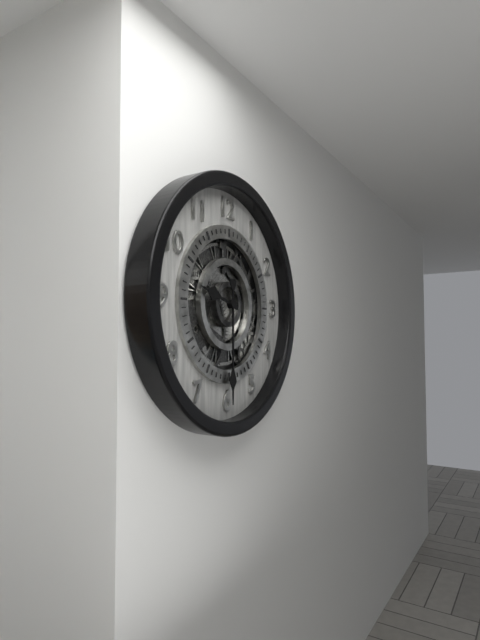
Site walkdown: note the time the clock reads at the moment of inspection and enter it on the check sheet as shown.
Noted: 9:30
